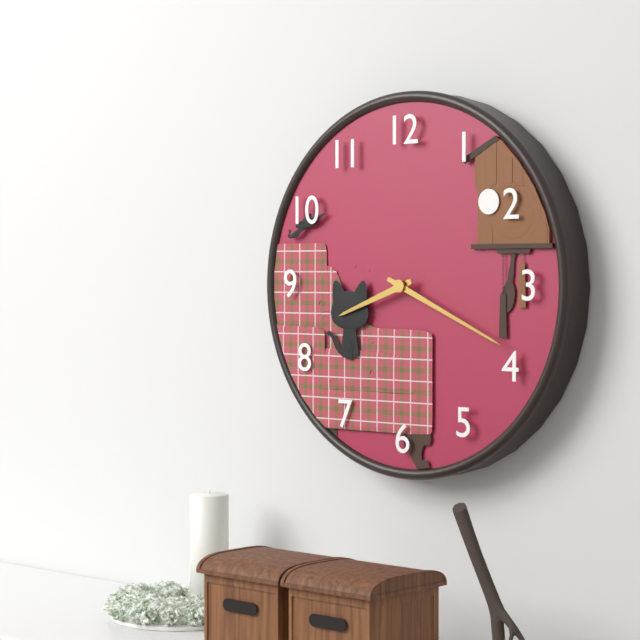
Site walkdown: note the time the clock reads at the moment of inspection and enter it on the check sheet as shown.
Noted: 8:19
